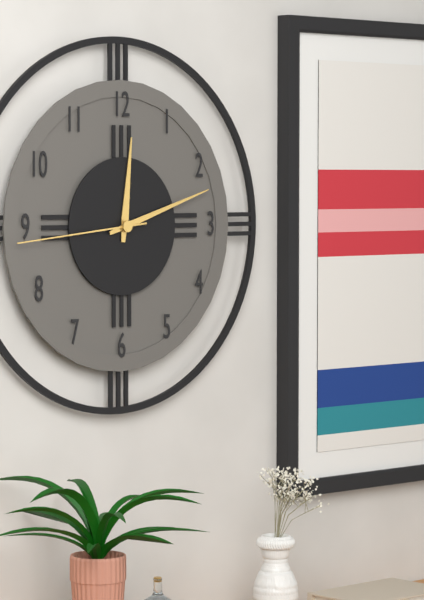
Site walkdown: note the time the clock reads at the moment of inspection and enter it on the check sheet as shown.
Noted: 12:12:44
